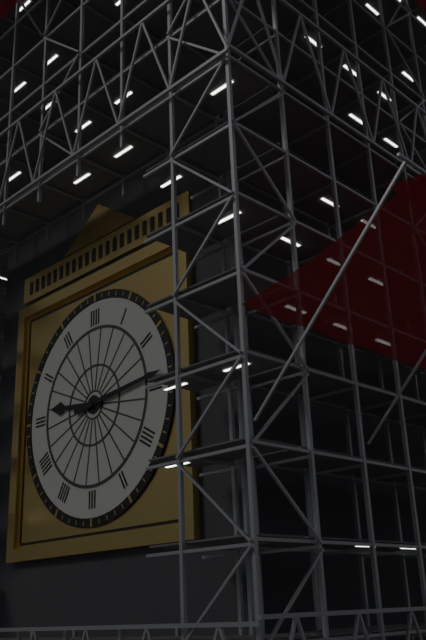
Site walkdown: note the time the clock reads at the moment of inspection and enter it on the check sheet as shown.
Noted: 9:14
